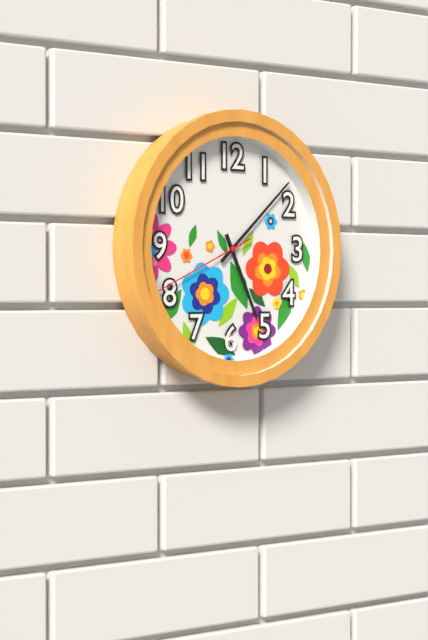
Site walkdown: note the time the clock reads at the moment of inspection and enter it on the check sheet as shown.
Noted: 5:08:41
